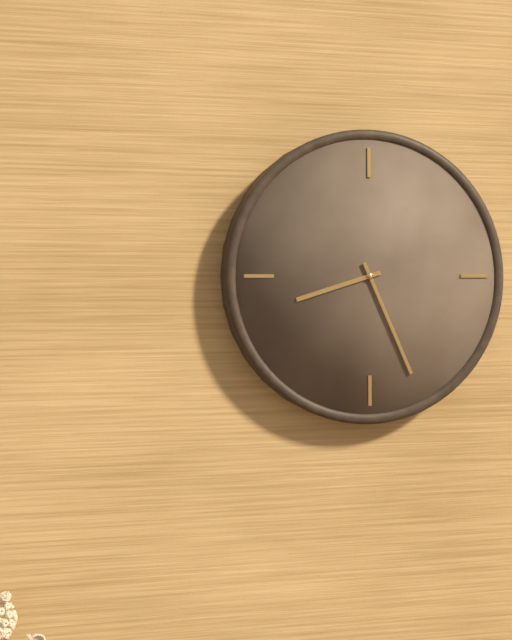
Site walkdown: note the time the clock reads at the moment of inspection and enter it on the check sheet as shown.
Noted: 8:26
